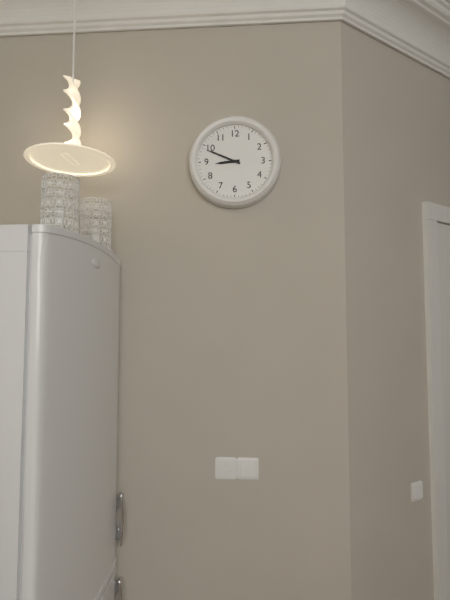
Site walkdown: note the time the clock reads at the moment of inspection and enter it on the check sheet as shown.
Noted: 8:49
